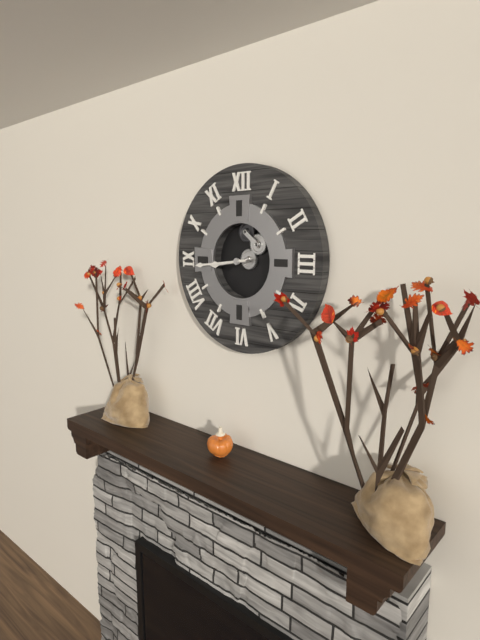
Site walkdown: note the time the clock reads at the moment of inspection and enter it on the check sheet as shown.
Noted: 8:44
